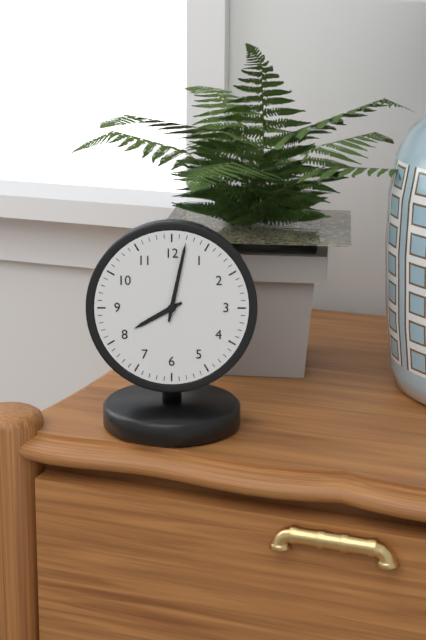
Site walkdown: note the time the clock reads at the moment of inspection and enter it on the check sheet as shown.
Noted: 8:02
